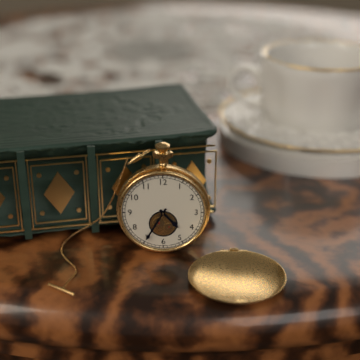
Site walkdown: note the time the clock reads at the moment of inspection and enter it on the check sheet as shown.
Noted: 4:35
